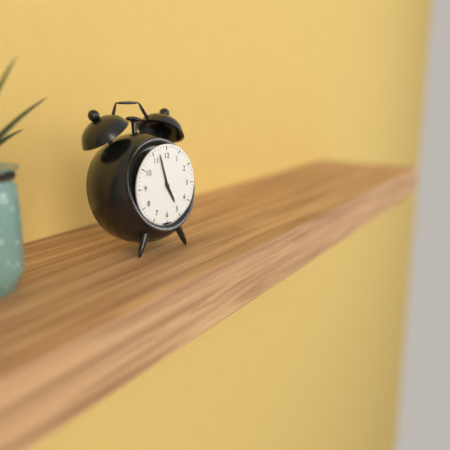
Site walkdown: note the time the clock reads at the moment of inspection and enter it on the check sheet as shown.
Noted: 4:57
